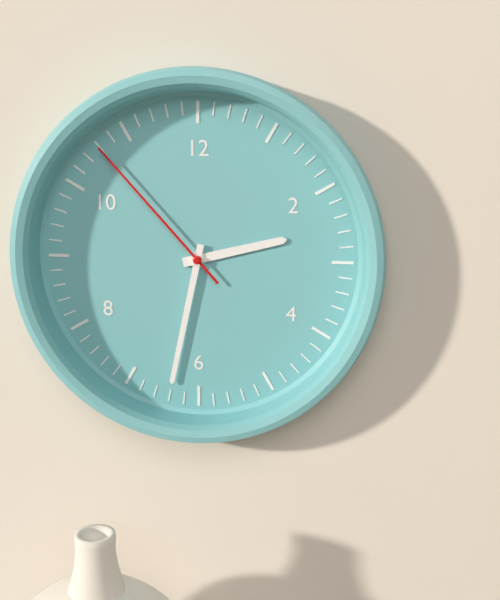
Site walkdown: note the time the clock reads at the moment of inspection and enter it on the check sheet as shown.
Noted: 2:32:53
